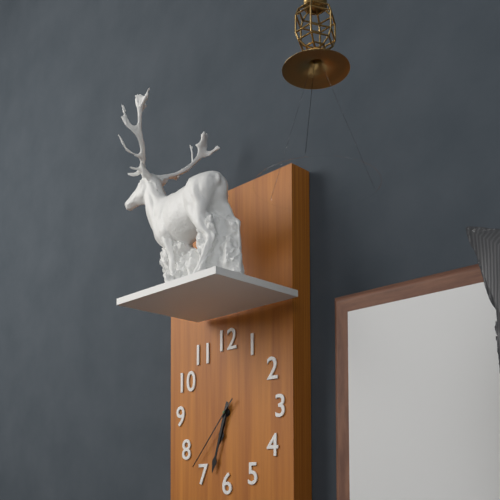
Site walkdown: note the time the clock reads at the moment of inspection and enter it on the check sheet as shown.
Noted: 6:33:37
